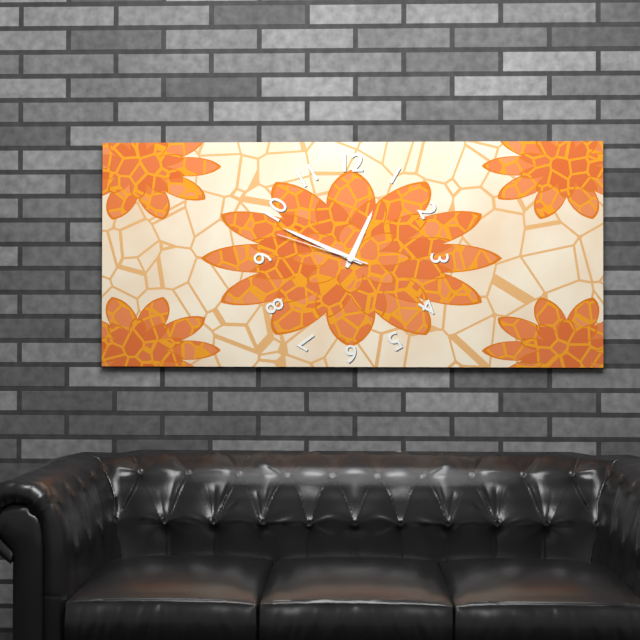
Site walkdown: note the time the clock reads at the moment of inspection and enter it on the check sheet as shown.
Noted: 12:49:48
